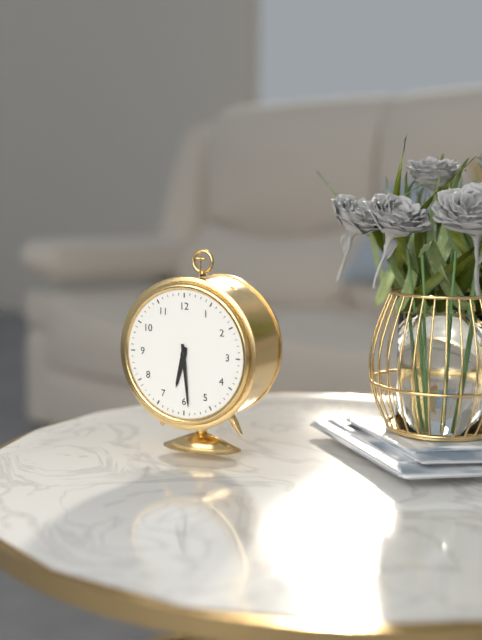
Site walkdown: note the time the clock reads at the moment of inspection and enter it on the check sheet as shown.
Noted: 6:29
